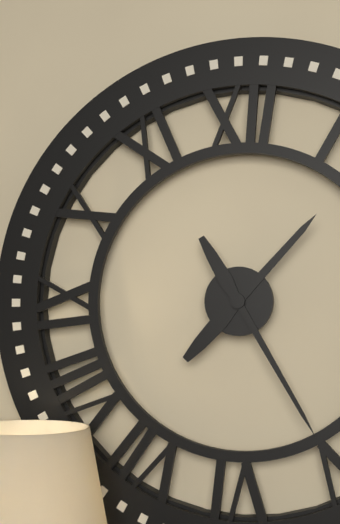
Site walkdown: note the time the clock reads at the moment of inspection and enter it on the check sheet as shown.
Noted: 1:25
